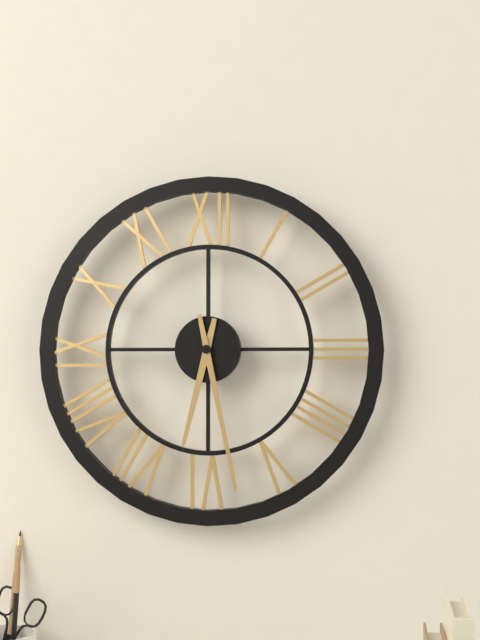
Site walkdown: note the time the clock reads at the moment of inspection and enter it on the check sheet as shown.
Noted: 6:28
